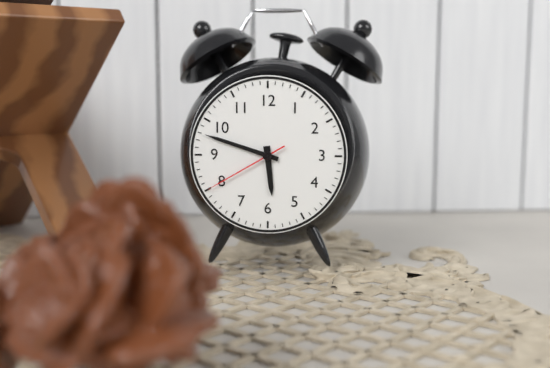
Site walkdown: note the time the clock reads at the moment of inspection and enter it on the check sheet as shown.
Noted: 5:48:40
